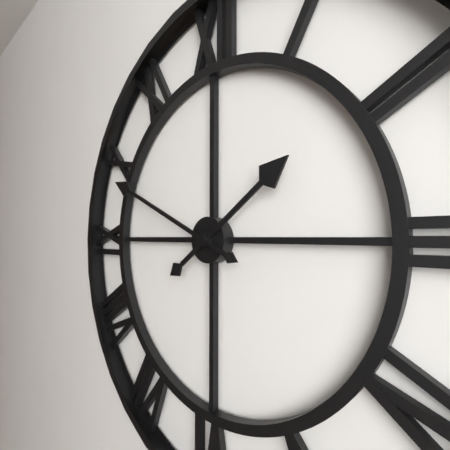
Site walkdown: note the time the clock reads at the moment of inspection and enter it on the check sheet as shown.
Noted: 1:49
